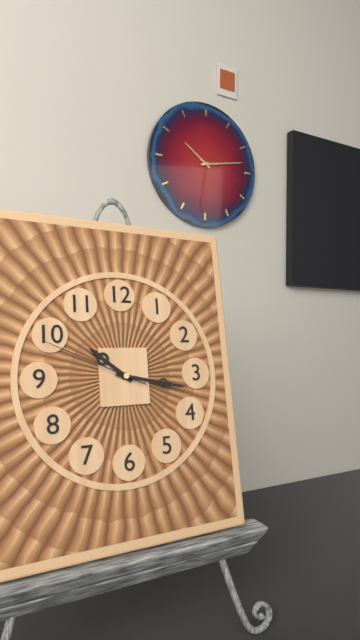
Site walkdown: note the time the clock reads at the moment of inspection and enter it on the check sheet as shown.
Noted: 10:17:49
